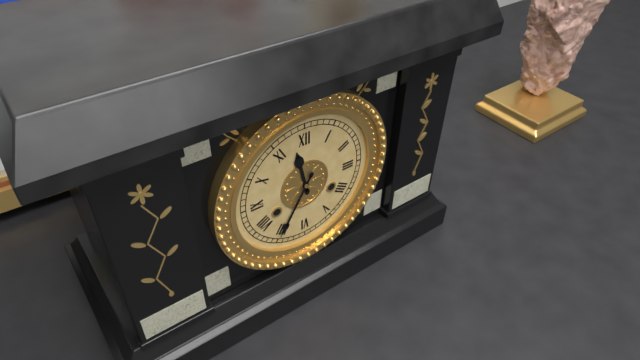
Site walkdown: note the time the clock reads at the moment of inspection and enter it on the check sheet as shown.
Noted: 11:35
